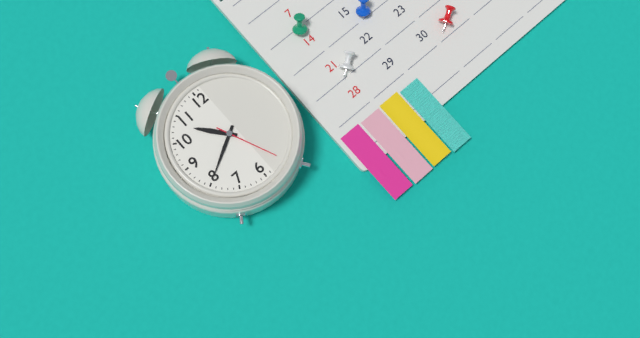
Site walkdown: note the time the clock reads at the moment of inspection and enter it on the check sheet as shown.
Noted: 10:40:26
